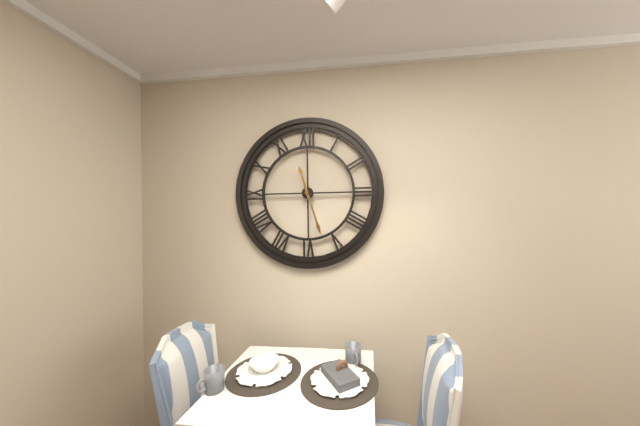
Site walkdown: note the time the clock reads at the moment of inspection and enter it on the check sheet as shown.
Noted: 11:27
